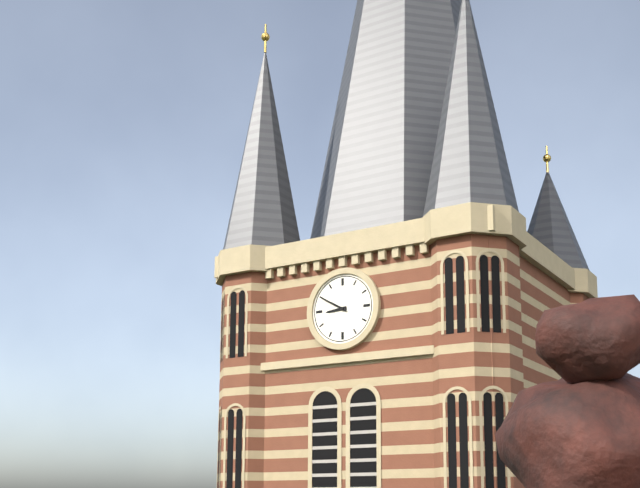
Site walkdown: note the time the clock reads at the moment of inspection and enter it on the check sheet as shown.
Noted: 8:50
